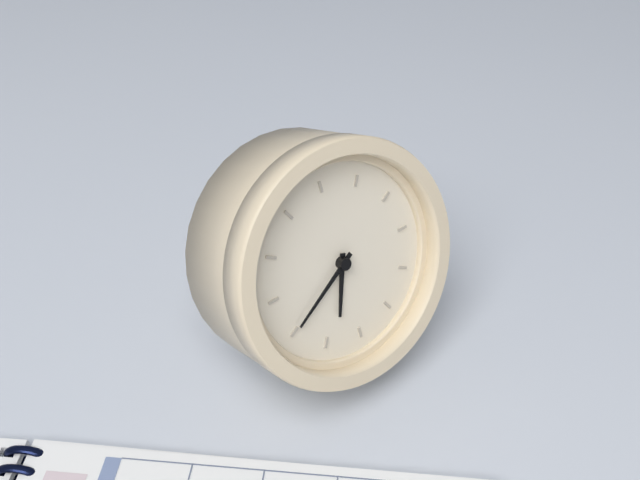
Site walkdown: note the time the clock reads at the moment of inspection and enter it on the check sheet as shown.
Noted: 6:40
